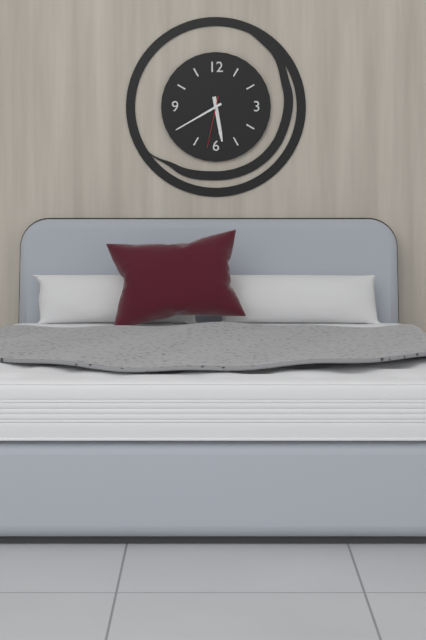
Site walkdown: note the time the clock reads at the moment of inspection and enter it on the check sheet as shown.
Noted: 5:40:32
